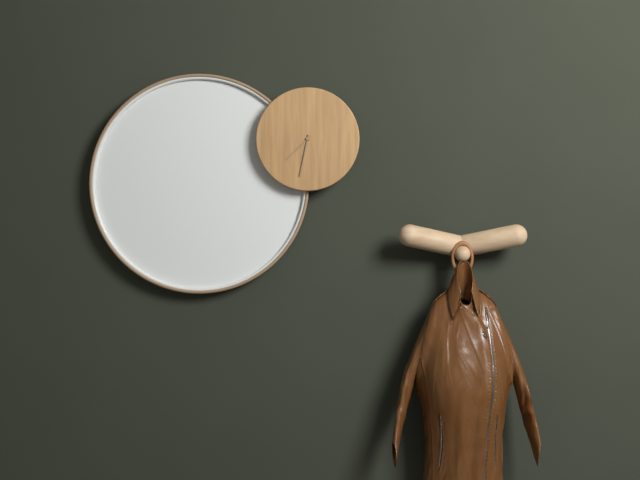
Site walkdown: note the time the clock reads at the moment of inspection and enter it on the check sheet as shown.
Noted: 7:32
